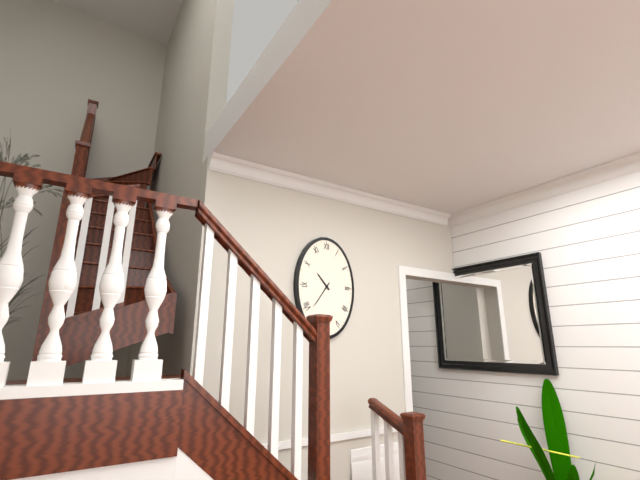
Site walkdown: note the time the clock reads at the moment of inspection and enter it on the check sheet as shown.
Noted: 10:36
